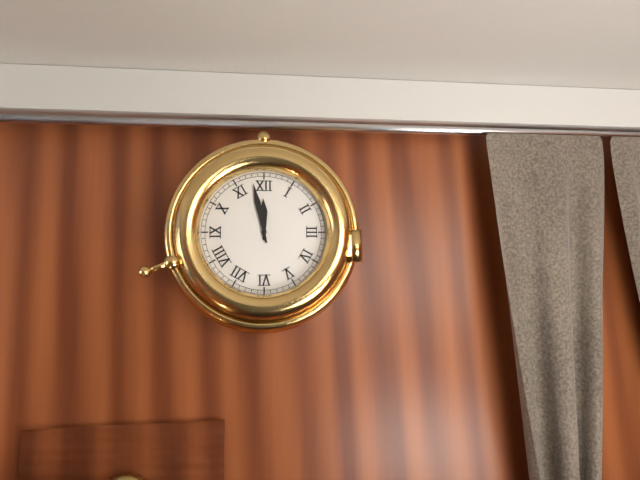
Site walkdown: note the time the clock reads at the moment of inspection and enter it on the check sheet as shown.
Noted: 11:58
